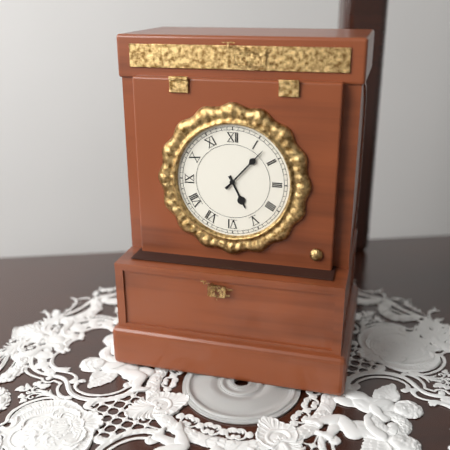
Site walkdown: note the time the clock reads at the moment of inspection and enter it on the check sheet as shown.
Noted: 5:07
